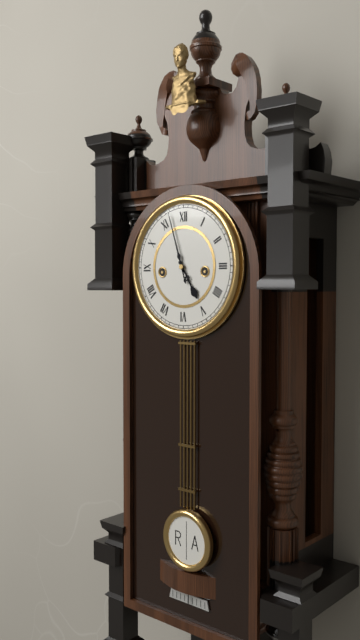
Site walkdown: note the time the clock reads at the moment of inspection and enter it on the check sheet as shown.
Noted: 4:57
